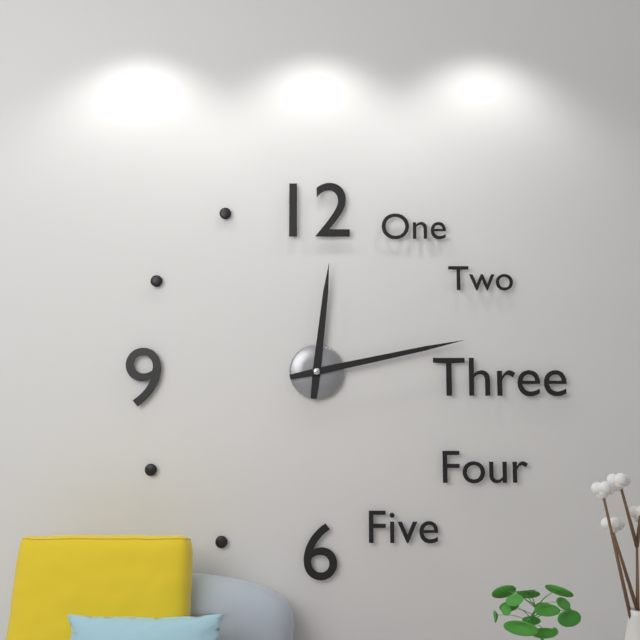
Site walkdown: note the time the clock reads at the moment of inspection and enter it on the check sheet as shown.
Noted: 12:13
